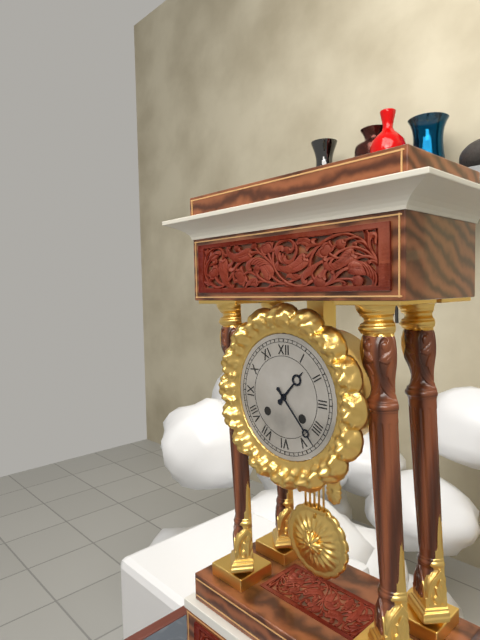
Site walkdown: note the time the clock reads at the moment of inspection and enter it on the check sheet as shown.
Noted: 1:23
